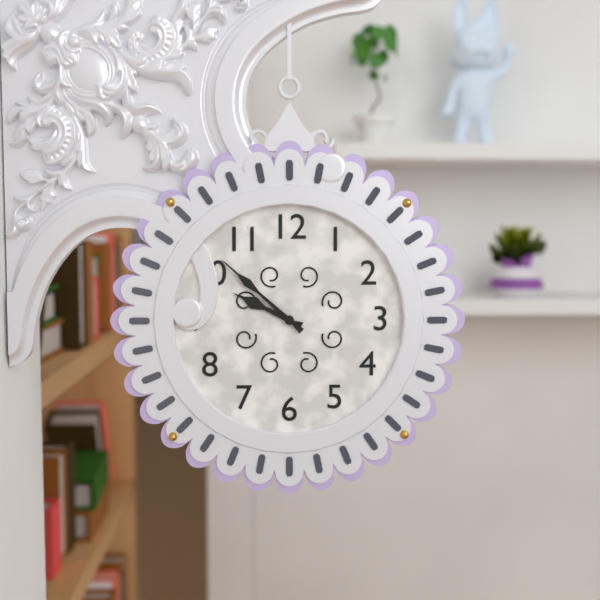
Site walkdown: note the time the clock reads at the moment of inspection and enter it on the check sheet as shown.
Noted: 9:52
